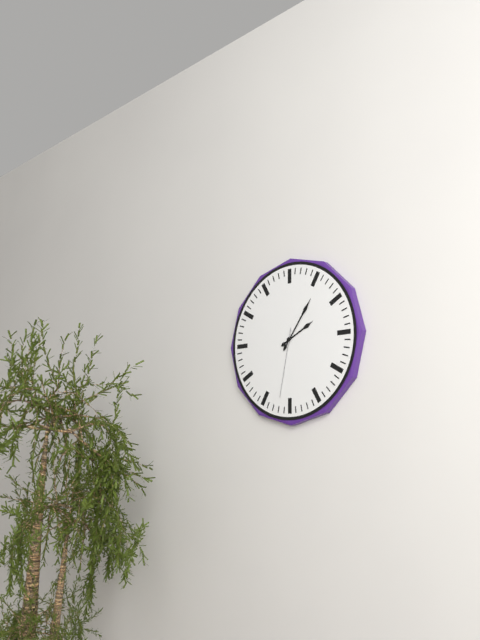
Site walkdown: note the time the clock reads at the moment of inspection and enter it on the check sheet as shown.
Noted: 2:06:32
